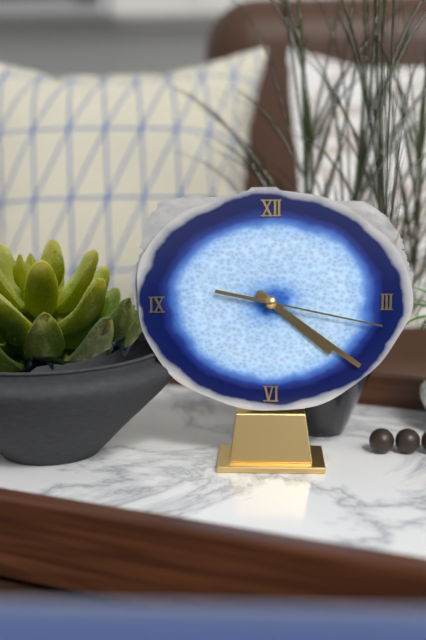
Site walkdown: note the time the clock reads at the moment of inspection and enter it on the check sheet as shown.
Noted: 4:21:17
